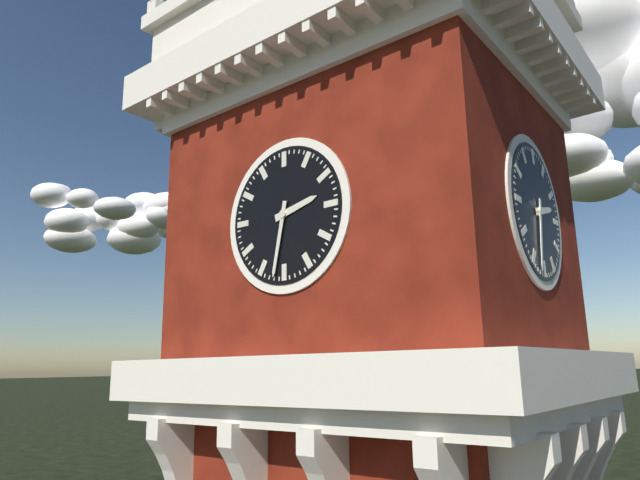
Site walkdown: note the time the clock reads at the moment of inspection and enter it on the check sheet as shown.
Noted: 2:32
